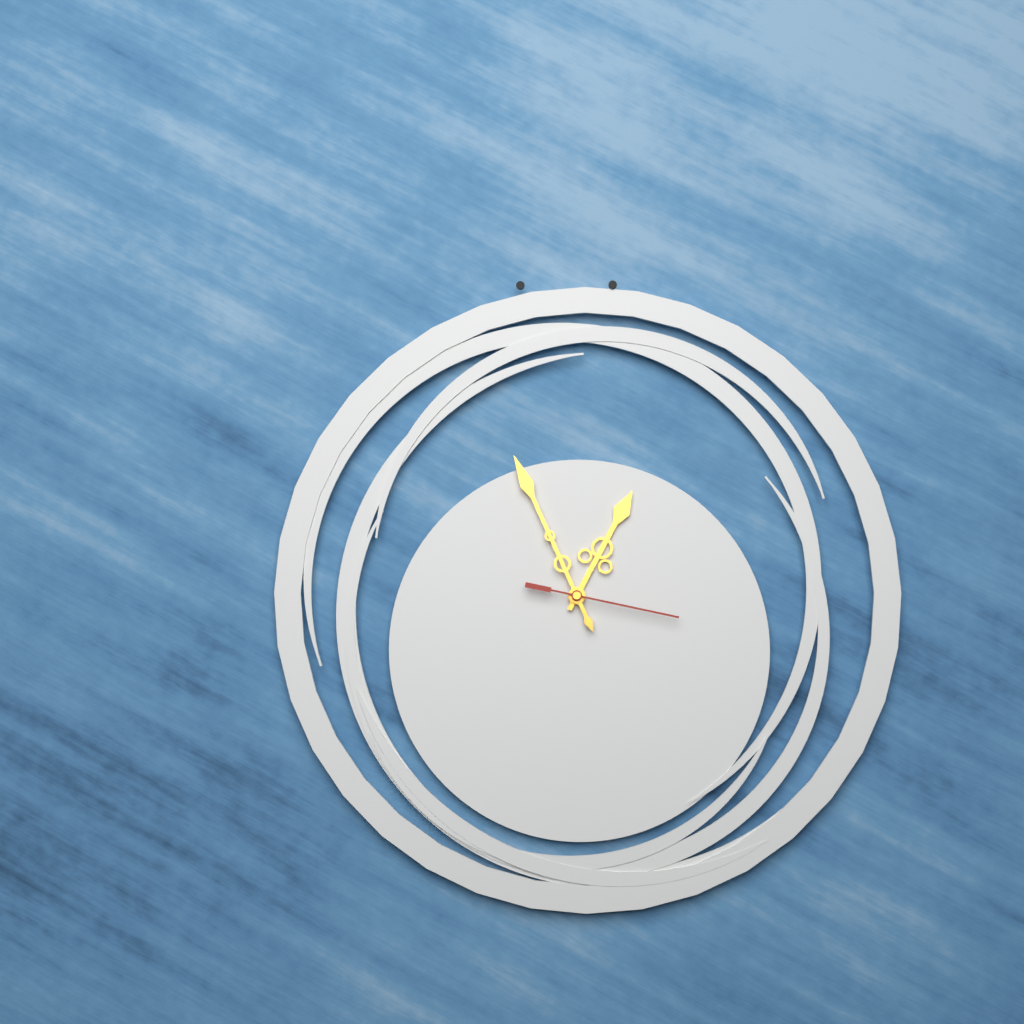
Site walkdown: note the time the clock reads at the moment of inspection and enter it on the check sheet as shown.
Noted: 12:56:17
